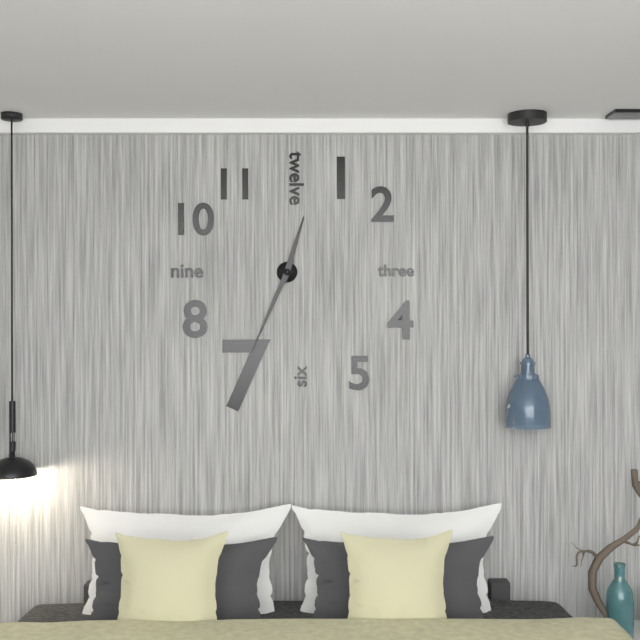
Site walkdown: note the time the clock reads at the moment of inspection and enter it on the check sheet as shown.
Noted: 12:34
